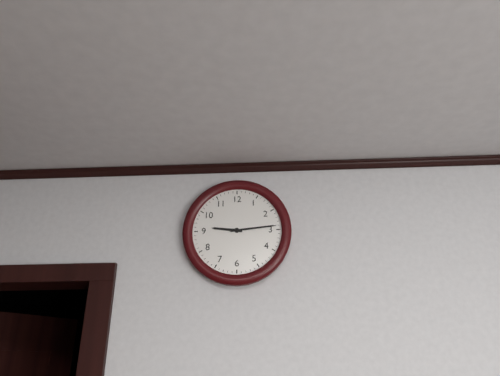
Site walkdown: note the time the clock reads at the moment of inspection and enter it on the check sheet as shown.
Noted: 9:14
